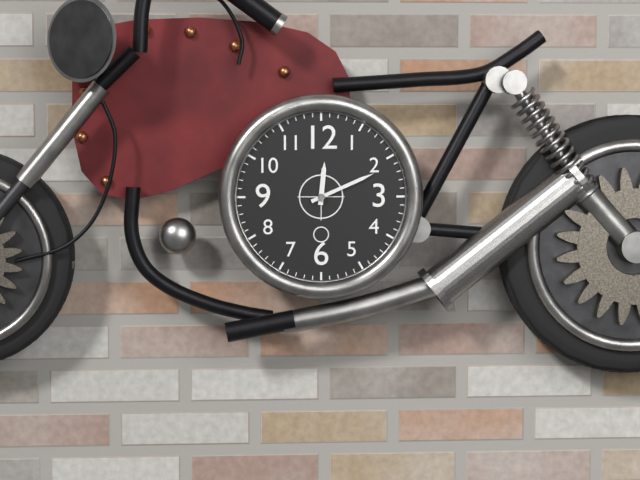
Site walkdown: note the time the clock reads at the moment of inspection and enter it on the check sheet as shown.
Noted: 12:11
